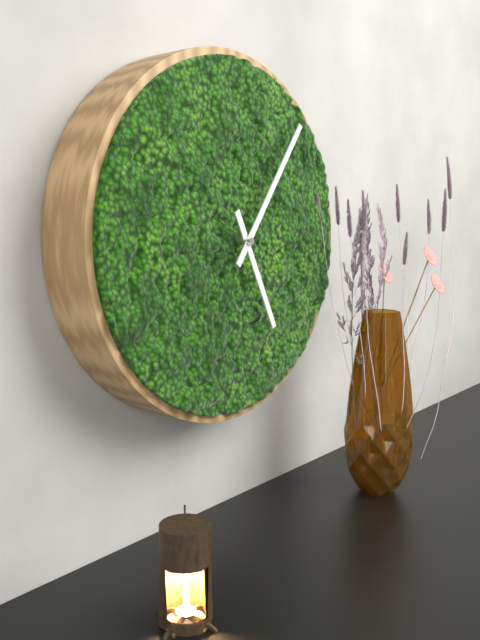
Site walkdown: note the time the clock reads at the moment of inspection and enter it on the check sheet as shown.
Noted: 5:06
